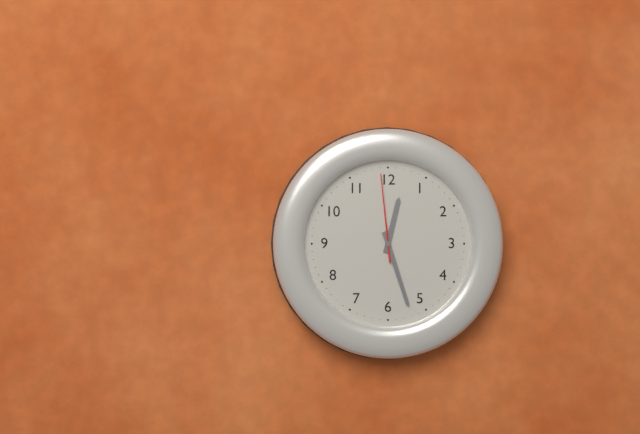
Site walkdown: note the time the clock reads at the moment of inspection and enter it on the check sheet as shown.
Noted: 12:27:59
